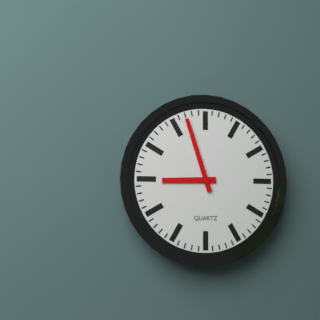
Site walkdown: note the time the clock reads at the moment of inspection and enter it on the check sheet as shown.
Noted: 8:57
